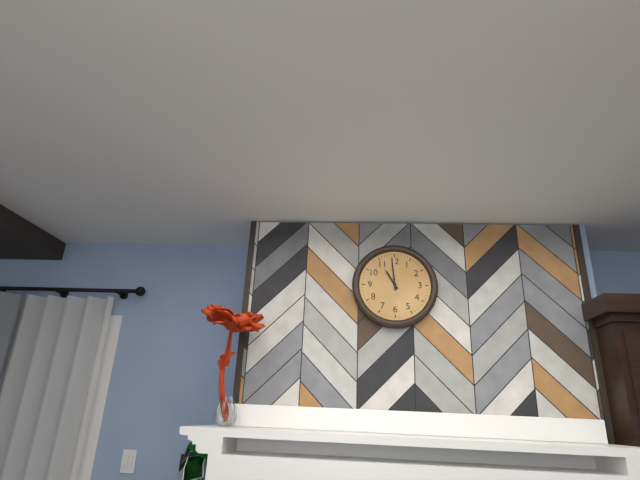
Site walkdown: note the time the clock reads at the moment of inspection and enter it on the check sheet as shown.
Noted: 10:59
